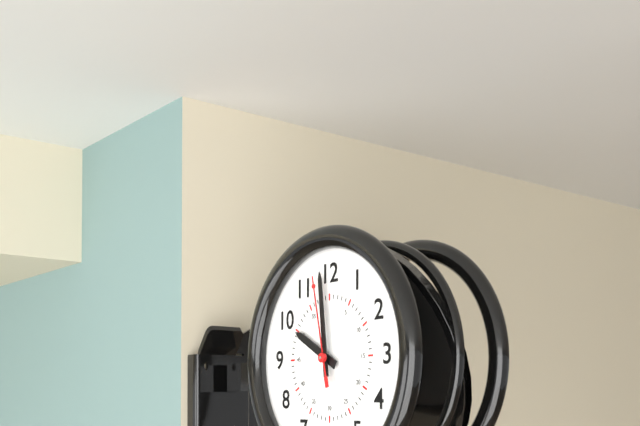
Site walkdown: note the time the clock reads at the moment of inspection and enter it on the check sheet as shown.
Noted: 9:59:58
